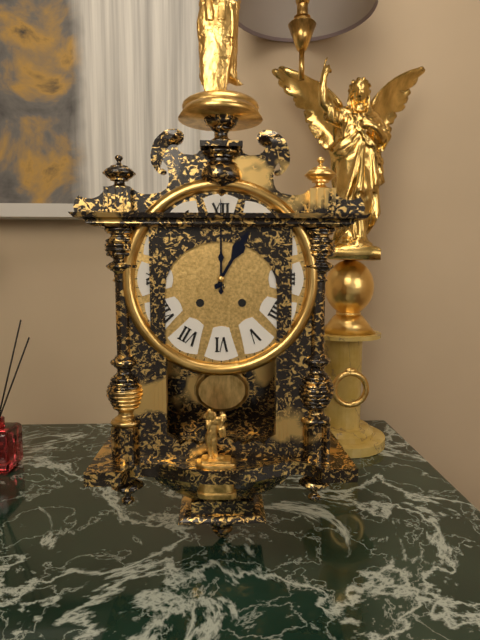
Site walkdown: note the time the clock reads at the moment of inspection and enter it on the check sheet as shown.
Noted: 1:00
